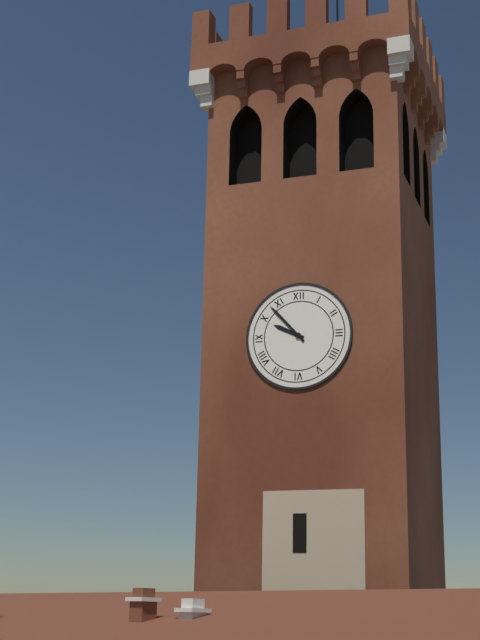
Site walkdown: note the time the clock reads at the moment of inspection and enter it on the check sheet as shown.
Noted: 9:53
